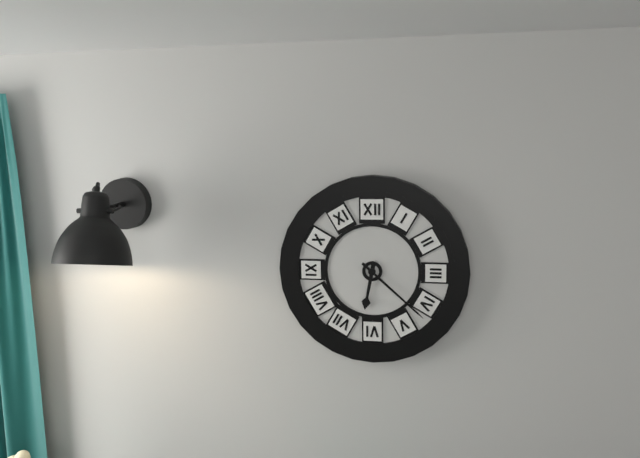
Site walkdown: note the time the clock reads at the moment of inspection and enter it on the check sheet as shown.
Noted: 6:22
